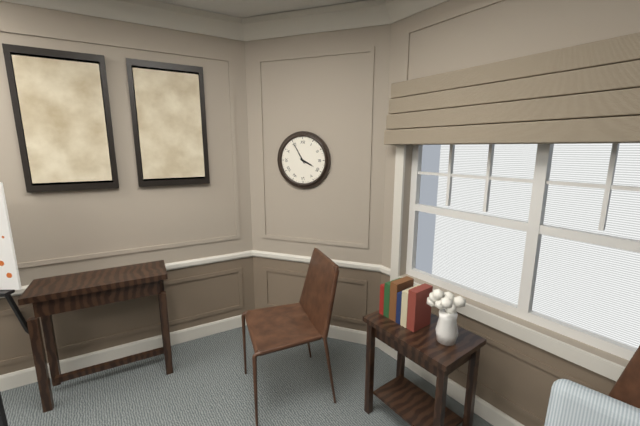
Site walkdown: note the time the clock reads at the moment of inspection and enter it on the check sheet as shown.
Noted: 3:55
